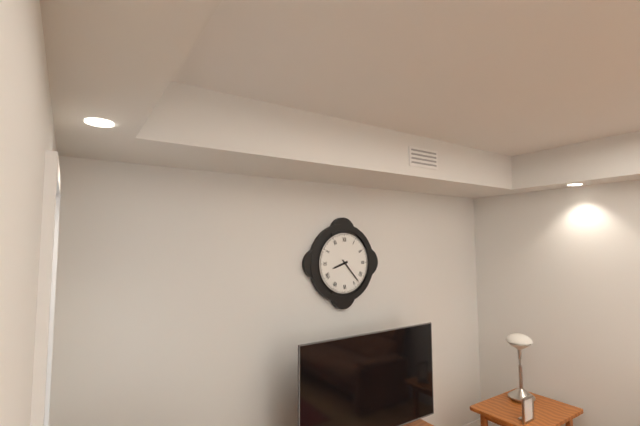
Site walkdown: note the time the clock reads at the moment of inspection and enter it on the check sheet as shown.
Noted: 8:23
